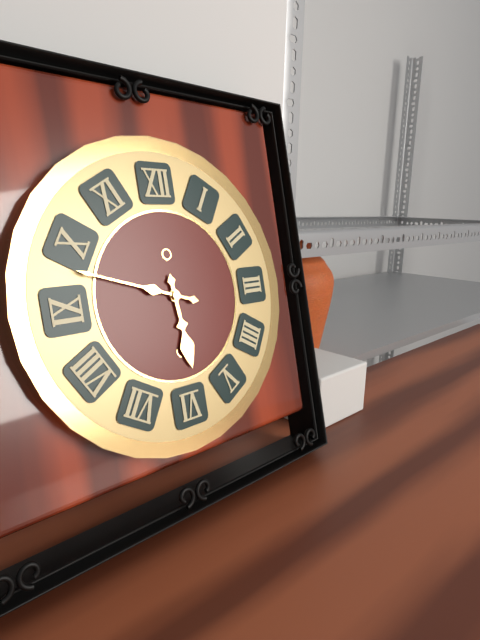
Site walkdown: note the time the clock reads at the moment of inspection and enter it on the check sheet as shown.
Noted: 5:48
